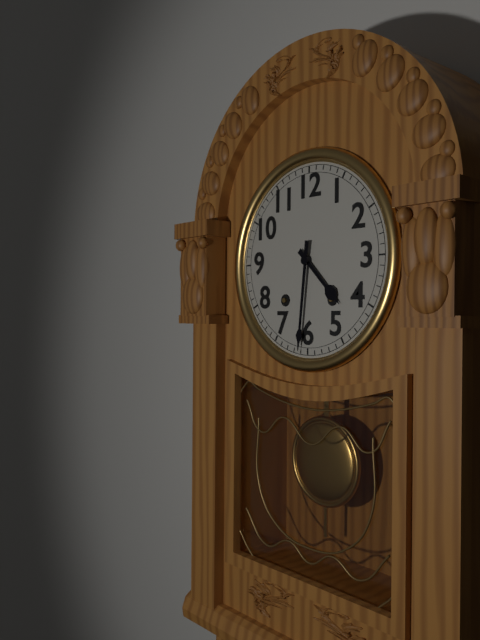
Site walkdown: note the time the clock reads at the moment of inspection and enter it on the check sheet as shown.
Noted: 4:31
